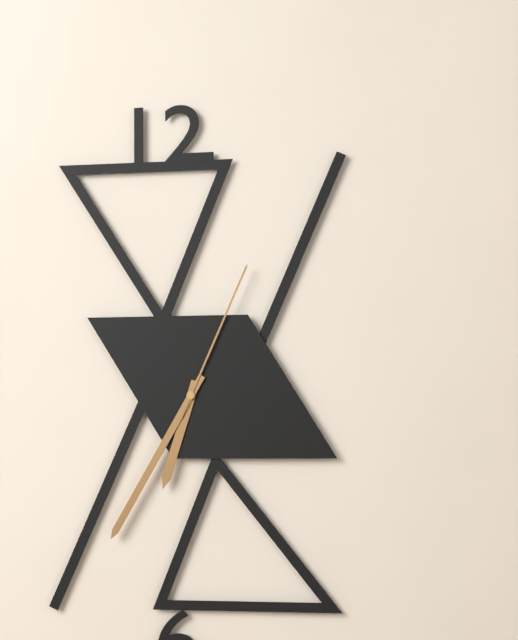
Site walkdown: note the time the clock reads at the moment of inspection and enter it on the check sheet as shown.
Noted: 6:35:04
